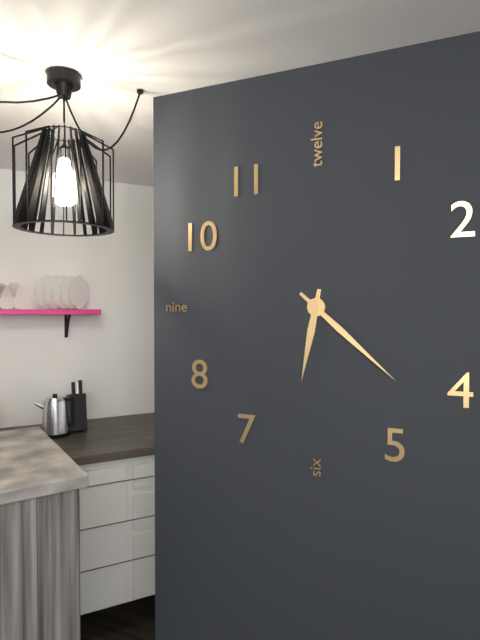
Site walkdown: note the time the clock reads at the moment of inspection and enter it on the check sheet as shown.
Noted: 6:22
